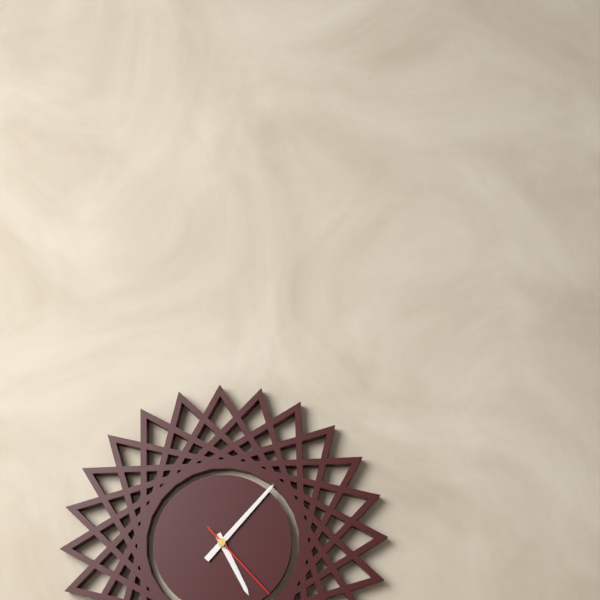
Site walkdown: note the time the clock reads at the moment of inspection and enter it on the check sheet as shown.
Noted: 5:07:23
